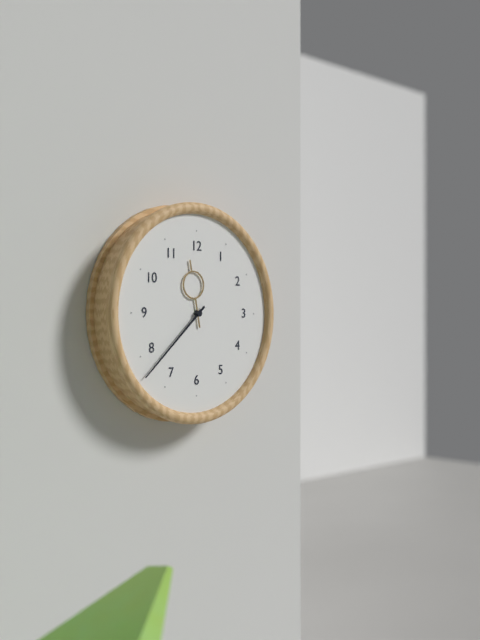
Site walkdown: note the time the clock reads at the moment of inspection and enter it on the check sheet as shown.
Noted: 11:38
